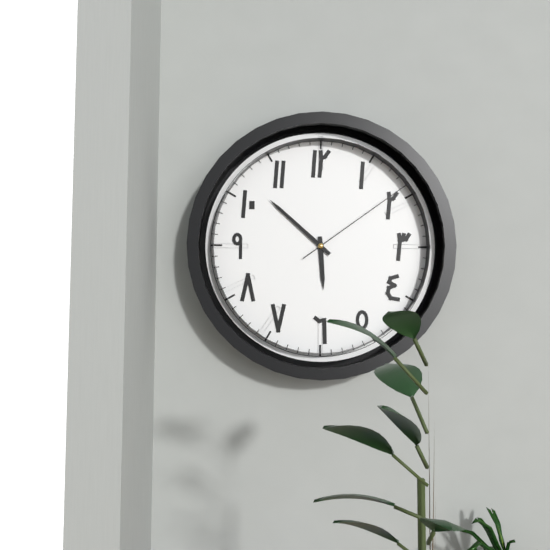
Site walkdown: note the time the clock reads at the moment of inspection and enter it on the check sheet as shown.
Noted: 5:52:09
